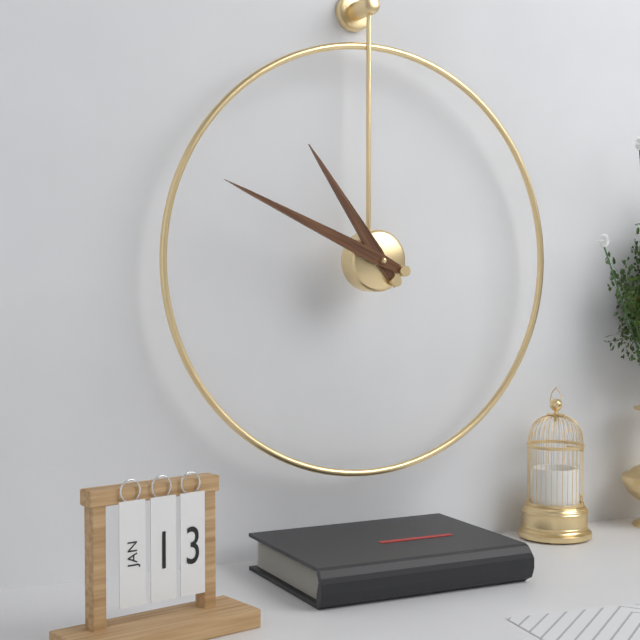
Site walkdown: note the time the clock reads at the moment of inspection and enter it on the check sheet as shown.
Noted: 10:49
